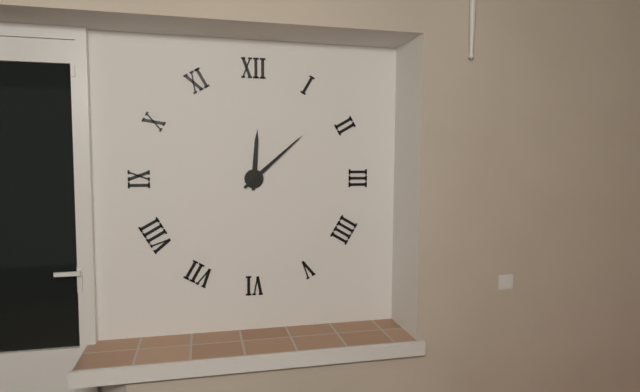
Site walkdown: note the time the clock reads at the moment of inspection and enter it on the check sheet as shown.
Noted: 12:08
